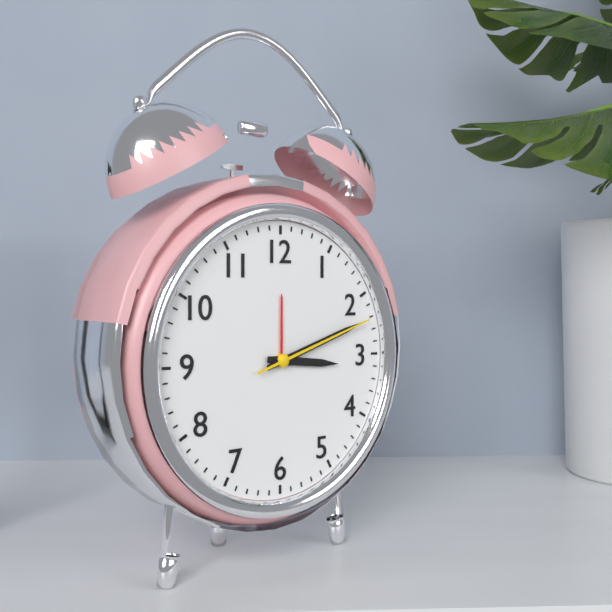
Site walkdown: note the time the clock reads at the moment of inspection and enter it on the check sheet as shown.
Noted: 3:12:12
